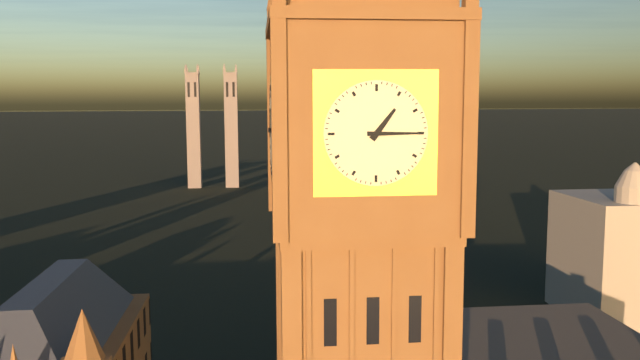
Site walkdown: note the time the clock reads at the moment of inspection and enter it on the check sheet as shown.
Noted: 1:15
